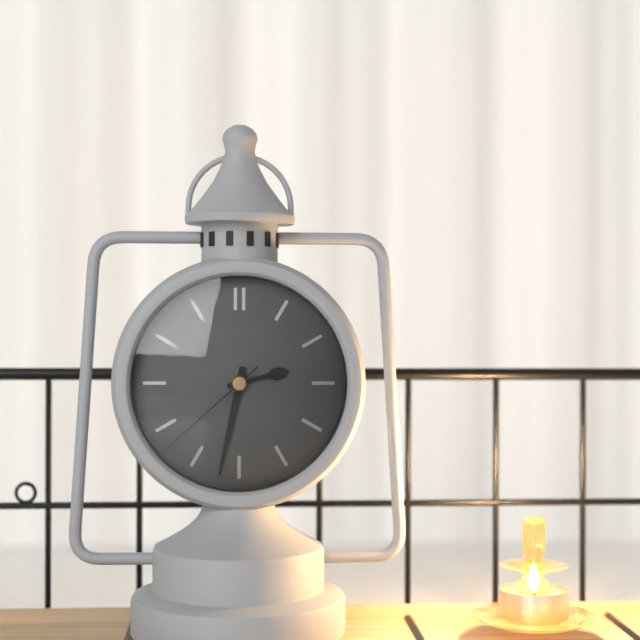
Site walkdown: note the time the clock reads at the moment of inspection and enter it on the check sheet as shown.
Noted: 2:32:38
